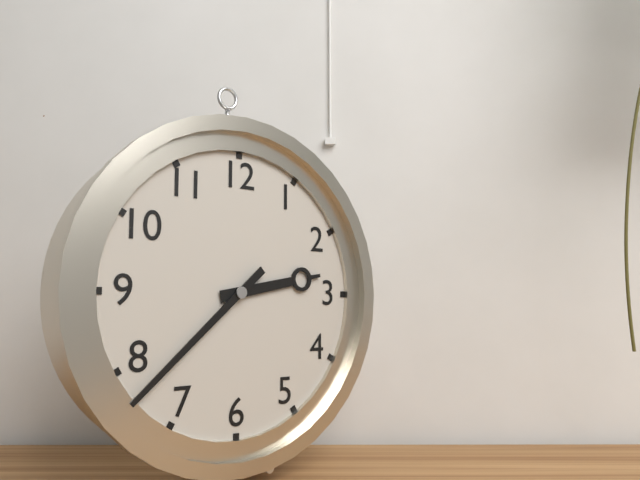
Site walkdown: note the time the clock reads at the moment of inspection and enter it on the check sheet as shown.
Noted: 2:38
